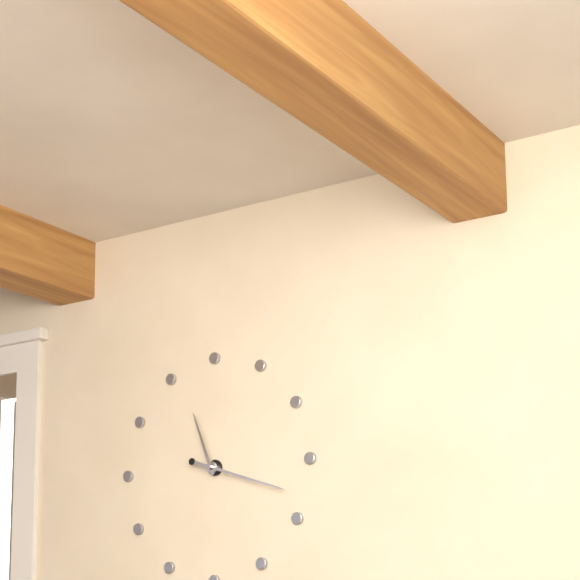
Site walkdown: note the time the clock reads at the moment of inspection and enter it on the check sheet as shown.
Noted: 11:18
